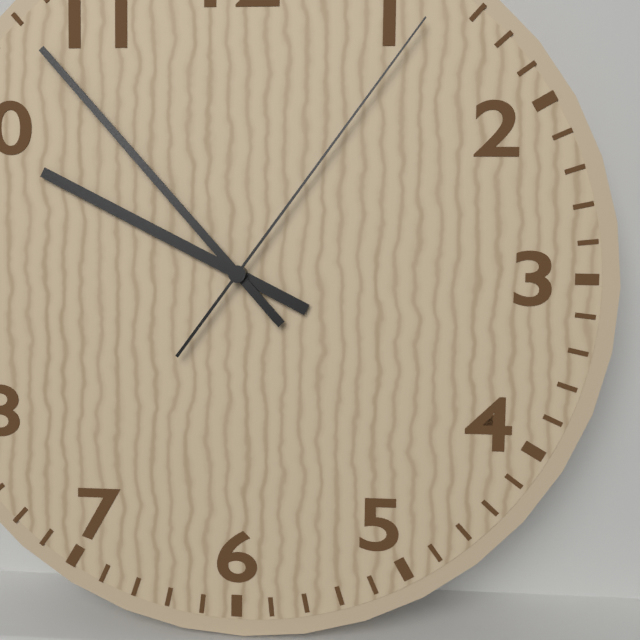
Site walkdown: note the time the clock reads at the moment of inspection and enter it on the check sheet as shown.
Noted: 9:53:06
